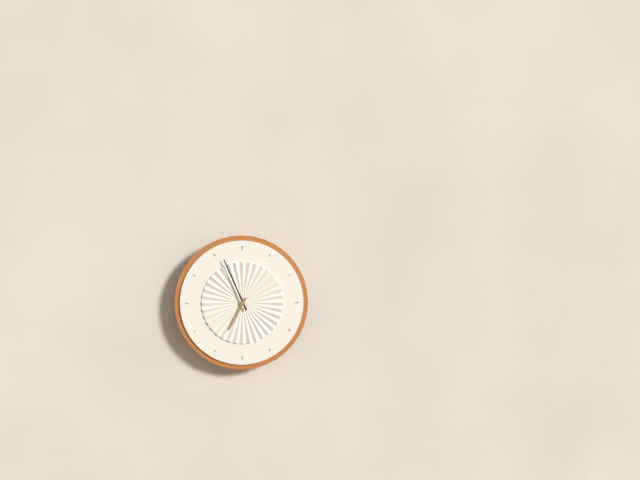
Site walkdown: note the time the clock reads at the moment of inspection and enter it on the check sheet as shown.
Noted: 6:56
